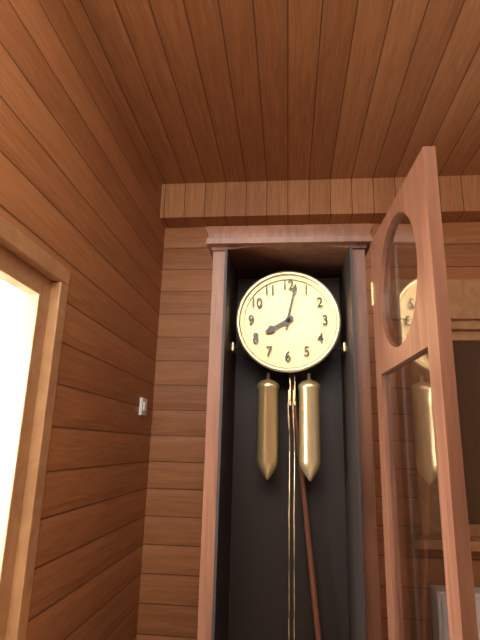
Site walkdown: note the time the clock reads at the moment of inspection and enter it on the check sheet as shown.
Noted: 8:02
